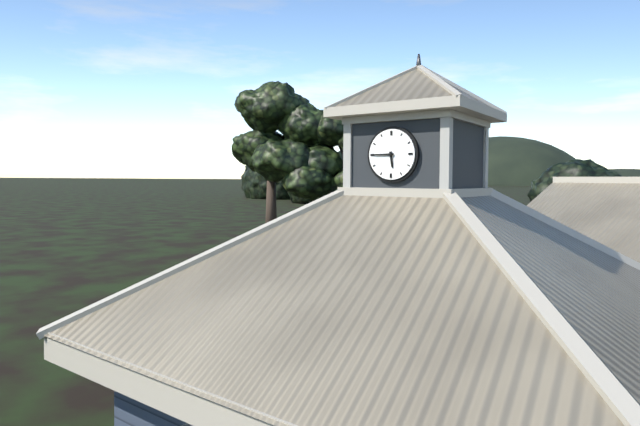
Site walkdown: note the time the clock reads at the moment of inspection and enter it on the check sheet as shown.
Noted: 5:45
